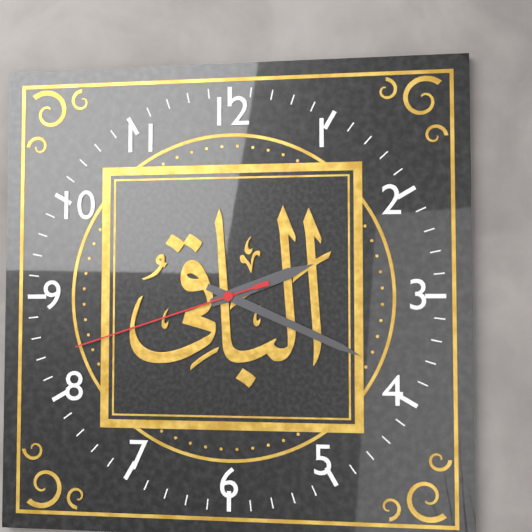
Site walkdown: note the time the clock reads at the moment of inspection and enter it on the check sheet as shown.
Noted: 2:19:42
